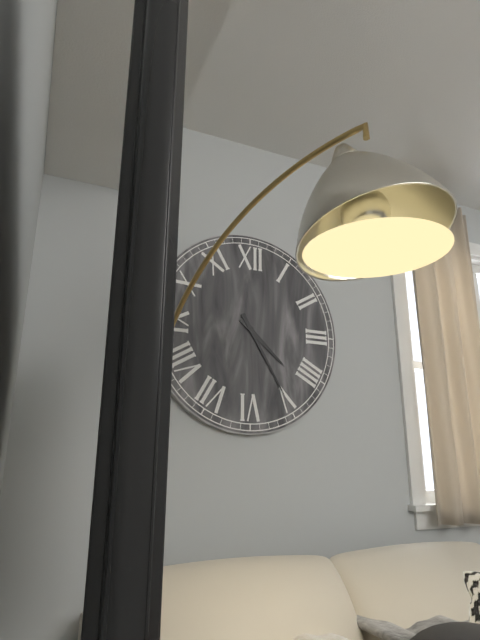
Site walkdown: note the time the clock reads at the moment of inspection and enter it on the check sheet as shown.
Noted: 4:25
